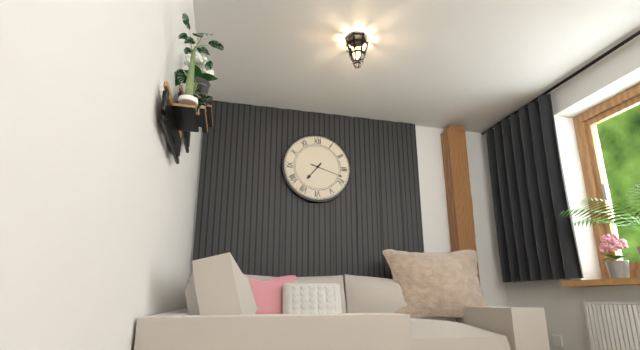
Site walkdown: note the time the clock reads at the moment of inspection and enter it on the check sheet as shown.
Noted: 7:18
